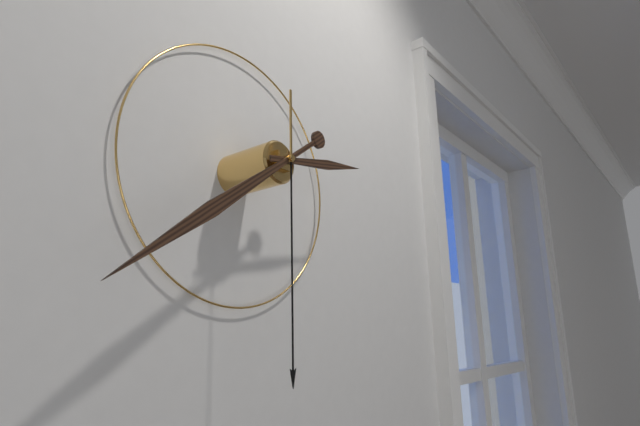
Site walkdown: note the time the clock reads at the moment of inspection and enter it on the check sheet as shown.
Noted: 2:39:30
